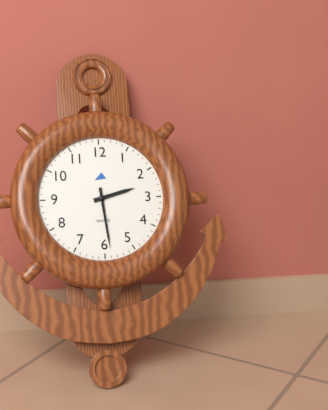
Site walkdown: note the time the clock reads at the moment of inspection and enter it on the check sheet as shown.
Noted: 2:29
